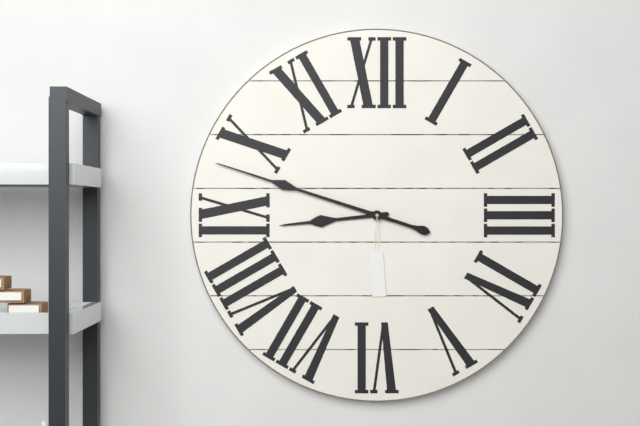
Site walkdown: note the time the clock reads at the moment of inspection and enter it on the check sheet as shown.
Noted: 8:48
